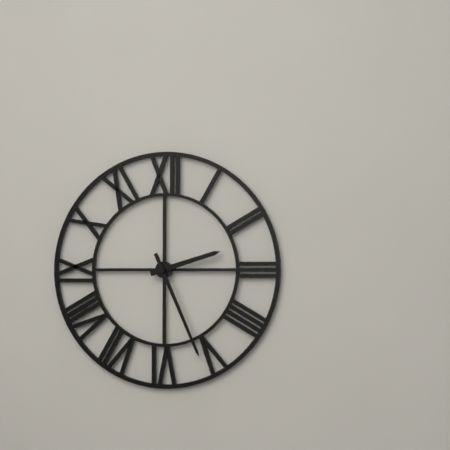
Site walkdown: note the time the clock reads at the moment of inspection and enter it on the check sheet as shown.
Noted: 2:26
